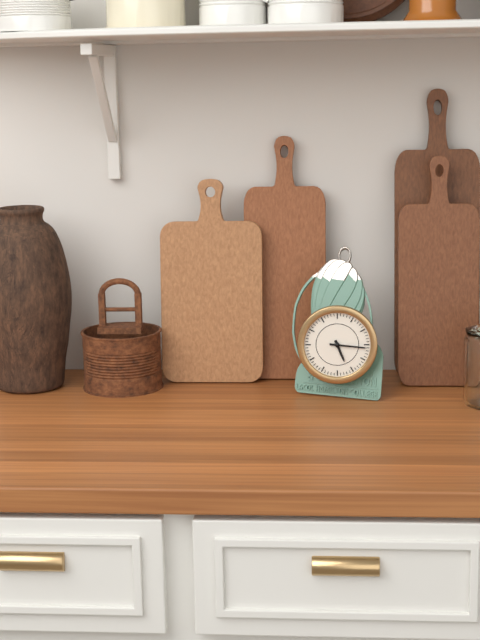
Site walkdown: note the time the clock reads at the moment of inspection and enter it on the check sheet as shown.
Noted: 5:16
